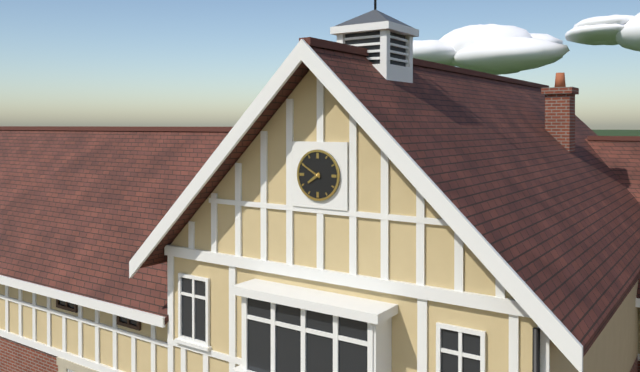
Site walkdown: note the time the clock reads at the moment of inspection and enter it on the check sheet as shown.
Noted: 7:50
